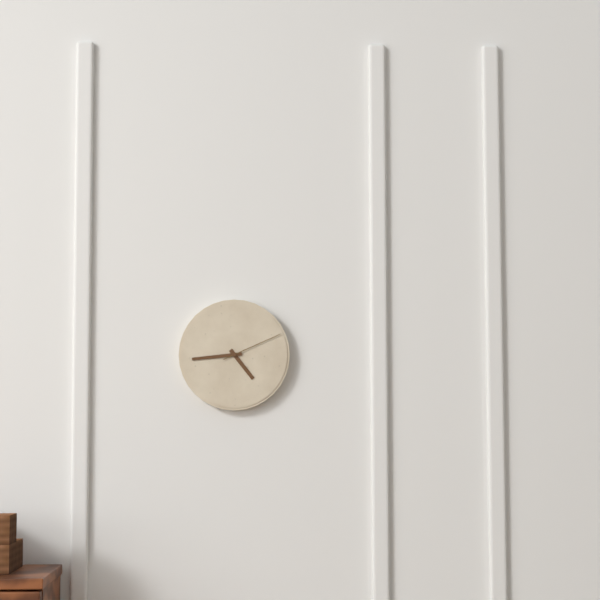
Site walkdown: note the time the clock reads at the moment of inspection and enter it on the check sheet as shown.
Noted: 4:44:11
